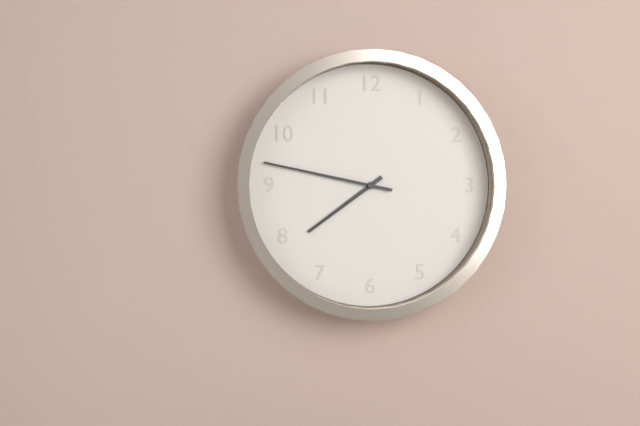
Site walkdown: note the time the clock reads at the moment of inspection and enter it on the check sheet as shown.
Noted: 7:47
